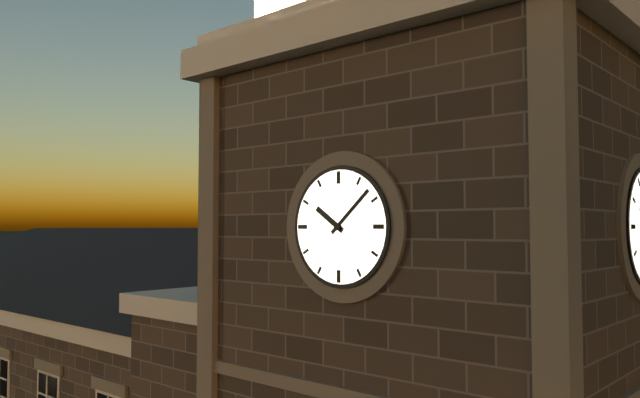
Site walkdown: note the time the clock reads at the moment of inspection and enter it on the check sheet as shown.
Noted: 10:08
